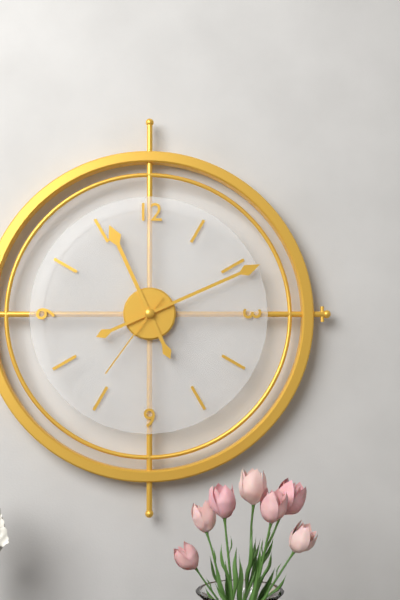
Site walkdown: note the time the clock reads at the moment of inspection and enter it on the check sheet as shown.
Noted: 11:11:36
